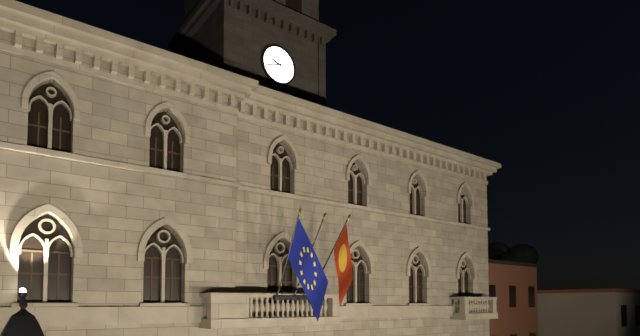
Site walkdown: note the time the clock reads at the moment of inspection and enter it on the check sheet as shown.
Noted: 9:42
